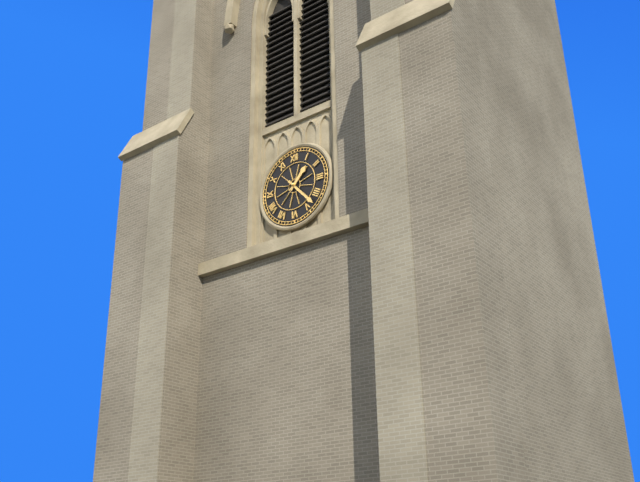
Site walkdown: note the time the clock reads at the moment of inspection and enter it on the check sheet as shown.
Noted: 1:23
